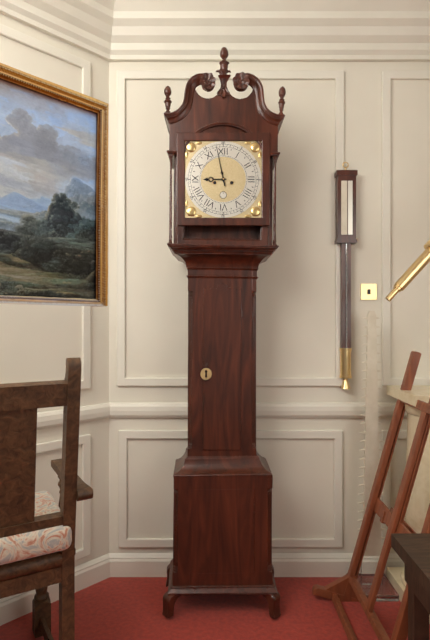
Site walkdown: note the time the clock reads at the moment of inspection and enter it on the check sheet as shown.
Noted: 8:58
